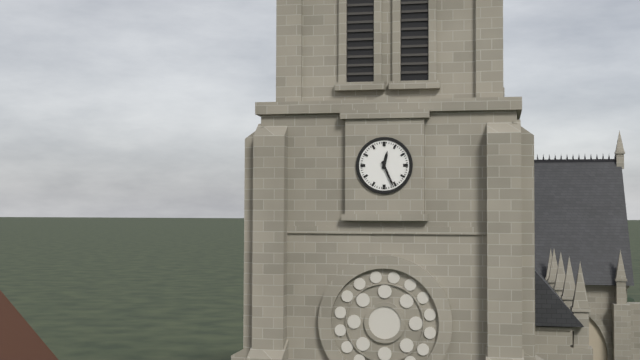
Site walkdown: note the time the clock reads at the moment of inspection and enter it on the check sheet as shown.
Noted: 12:26
